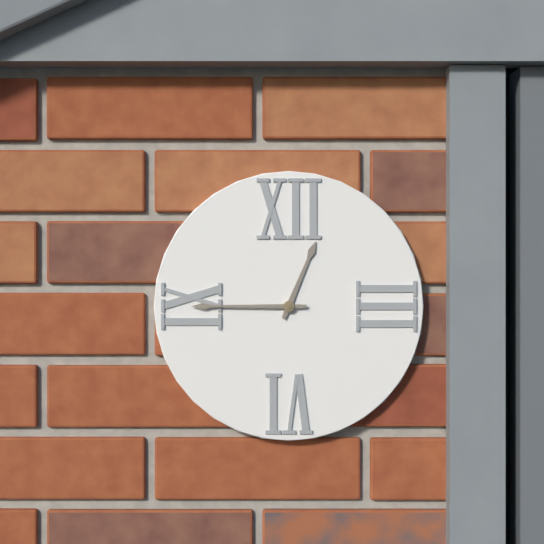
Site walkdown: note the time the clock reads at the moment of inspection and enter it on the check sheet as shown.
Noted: 12:45
